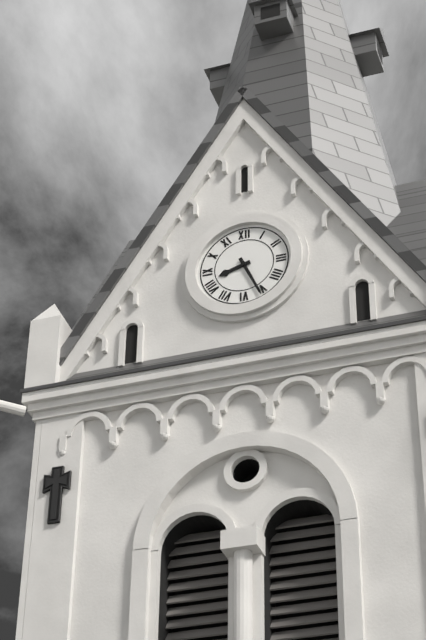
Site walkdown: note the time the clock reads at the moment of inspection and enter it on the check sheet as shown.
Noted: 8:26
